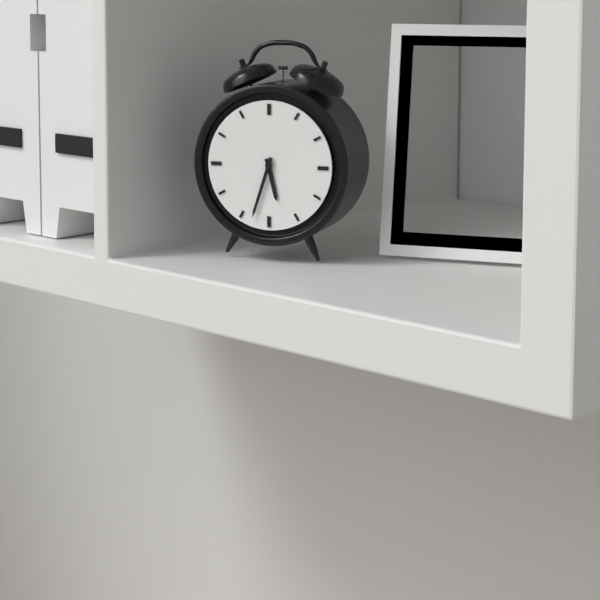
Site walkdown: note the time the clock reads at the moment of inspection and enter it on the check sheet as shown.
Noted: 5:33
